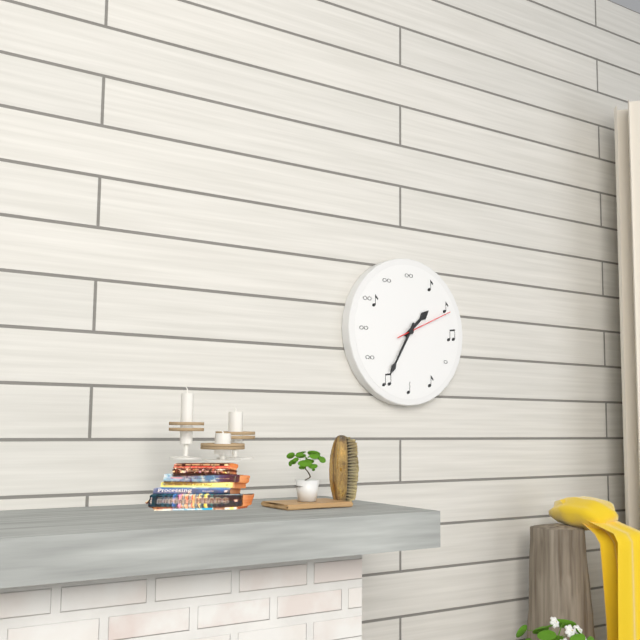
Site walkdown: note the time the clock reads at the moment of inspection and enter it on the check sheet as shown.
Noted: 1:35:11
